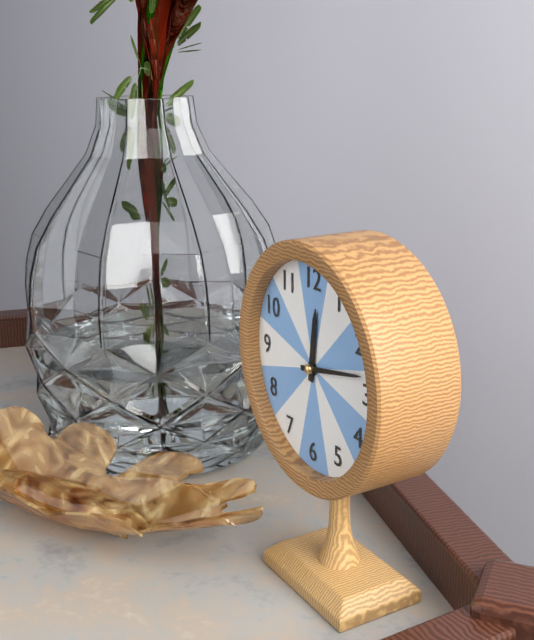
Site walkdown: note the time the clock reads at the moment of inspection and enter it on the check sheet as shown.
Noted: 12:13
